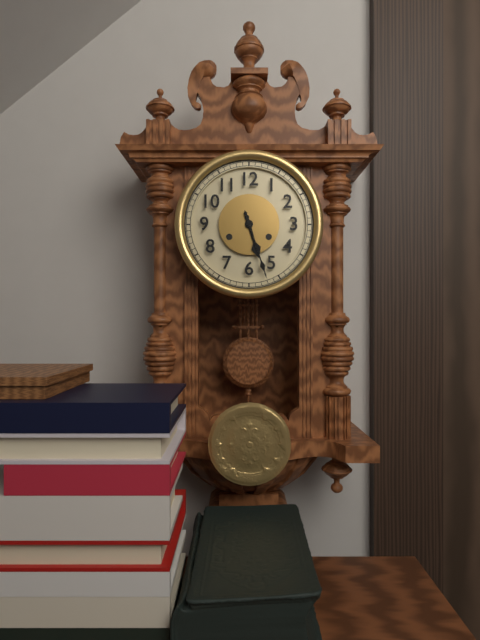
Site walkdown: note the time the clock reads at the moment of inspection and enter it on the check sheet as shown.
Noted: 5:27
